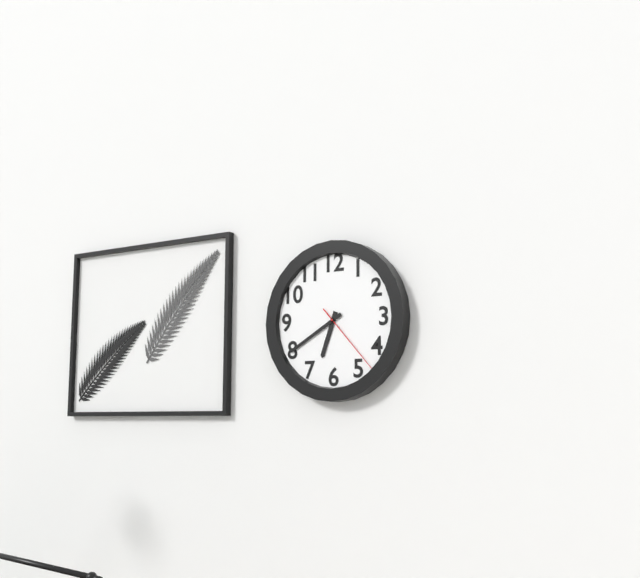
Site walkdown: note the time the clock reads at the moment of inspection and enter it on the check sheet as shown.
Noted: 6:40:23
